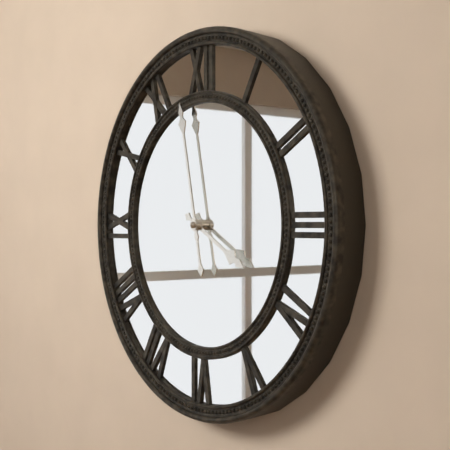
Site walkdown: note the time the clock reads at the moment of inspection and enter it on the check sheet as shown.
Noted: 3:58
